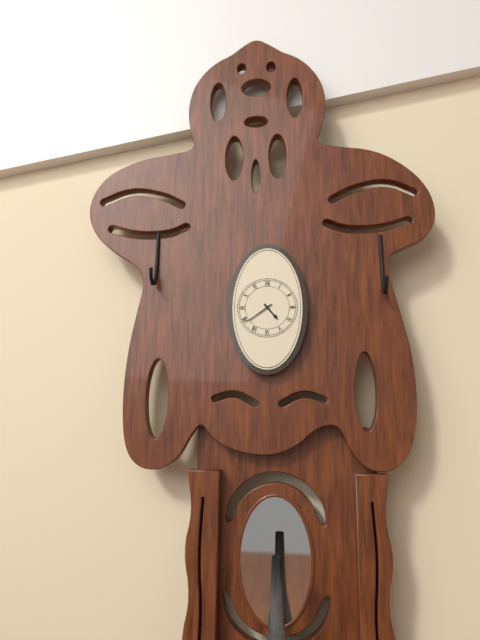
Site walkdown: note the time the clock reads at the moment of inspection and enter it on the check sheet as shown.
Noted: 4:39
